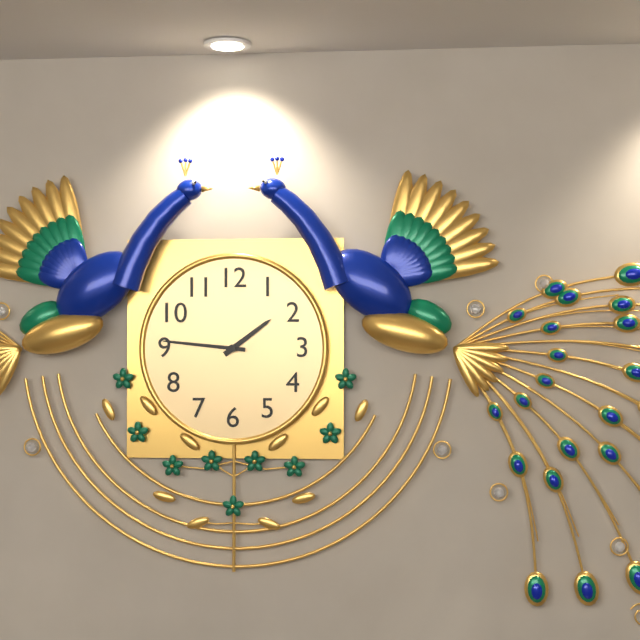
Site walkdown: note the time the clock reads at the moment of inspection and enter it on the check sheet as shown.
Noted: 1:46
